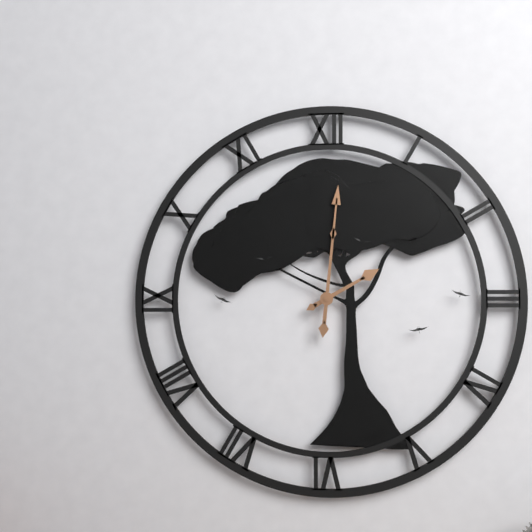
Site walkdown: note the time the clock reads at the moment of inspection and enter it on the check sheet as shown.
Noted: 2:01
